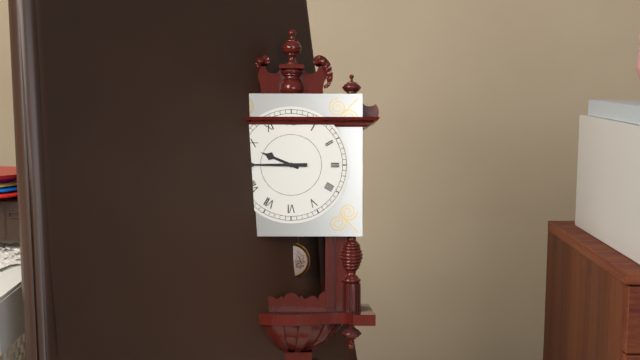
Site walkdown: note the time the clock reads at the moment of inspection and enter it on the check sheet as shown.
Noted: 9:45
